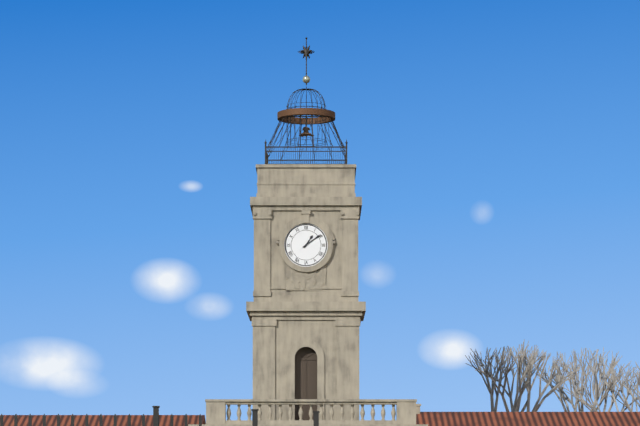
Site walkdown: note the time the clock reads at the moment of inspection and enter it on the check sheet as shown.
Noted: 1:09
